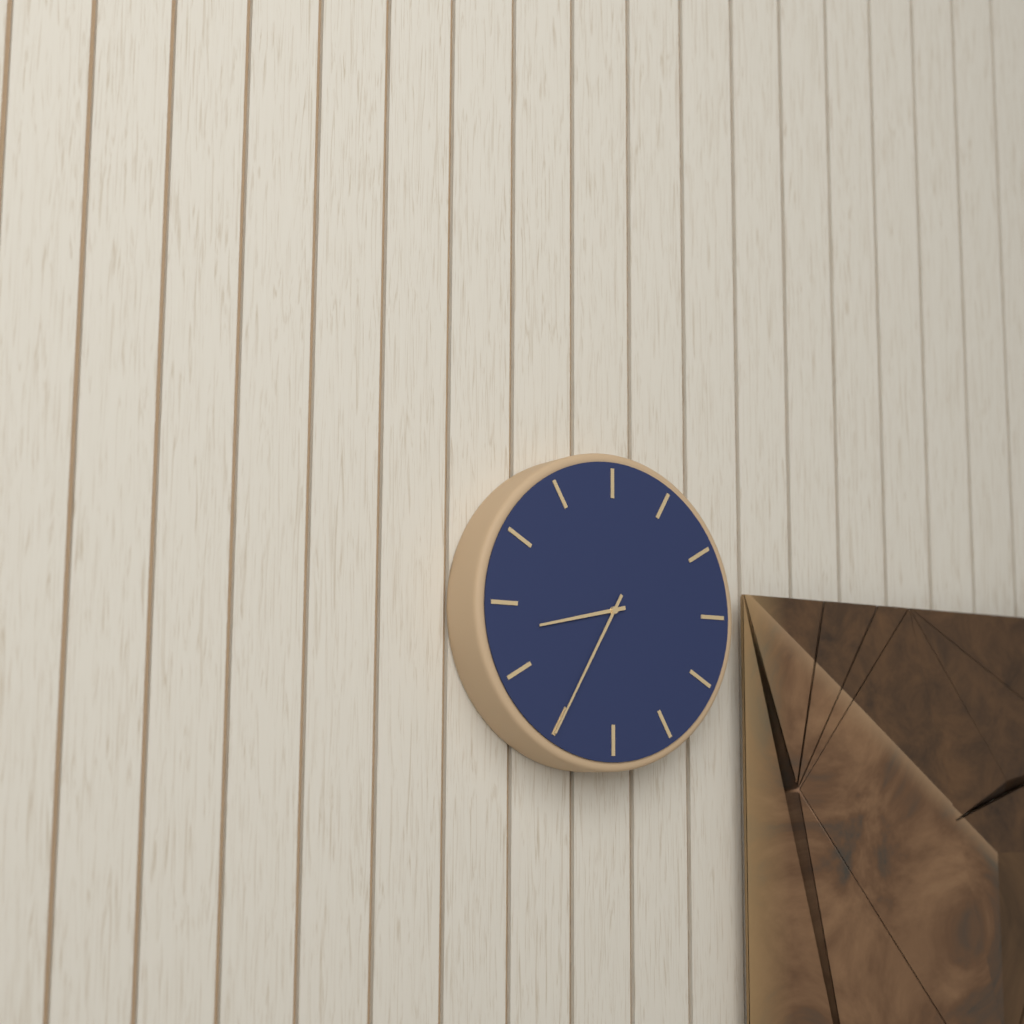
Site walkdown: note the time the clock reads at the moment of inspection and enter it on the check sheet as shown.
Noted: 8:35
